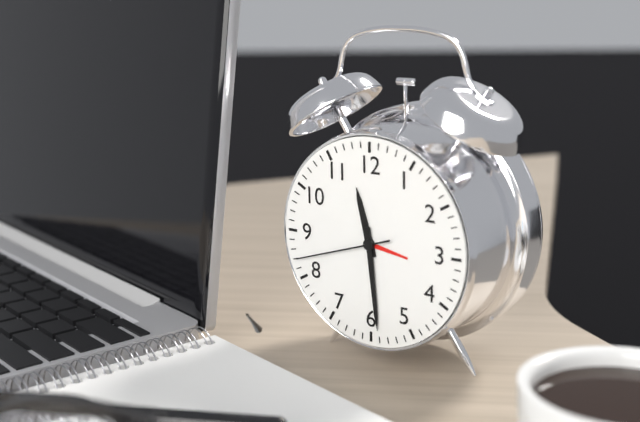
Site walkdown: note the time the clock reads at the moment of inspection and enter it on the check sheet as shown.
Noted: 11:29:42
